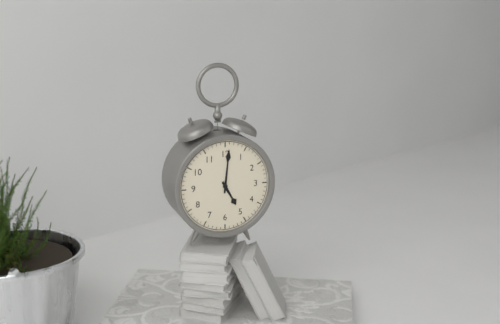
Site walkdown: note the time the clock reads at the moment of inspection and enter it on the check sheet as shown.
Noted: 5:01
